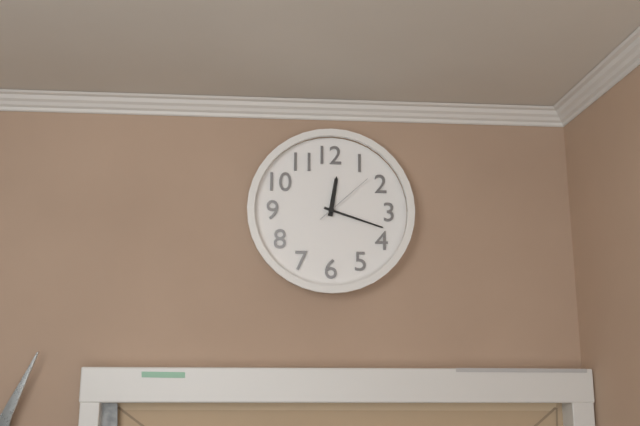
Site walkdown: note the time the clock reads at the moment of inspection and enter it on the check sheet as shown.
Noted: 12:18:08
